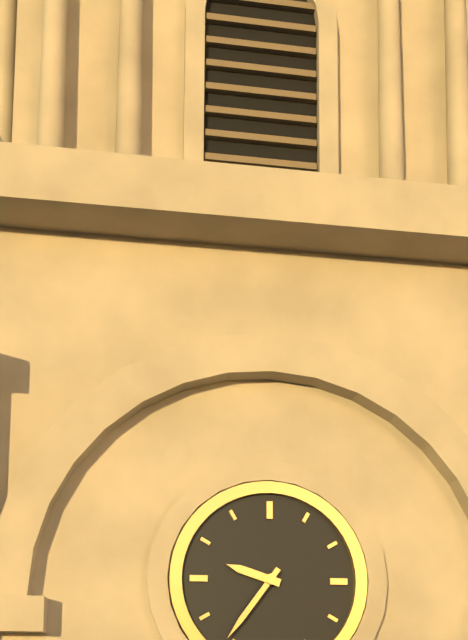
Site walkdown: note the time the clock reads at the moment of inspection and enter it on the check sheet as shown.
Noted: 9:36
